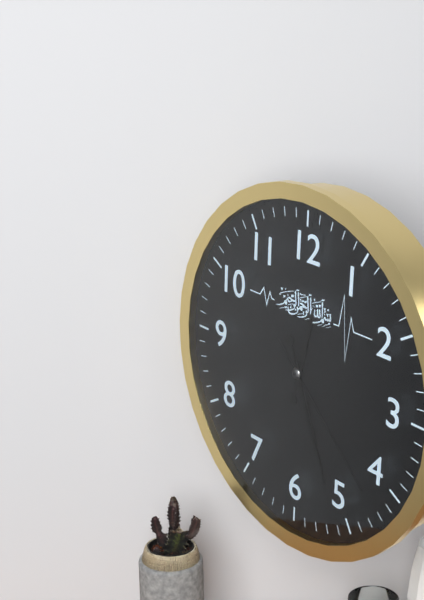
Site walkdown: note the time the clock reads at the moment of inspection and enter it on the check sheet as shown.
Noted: 12:26:22
